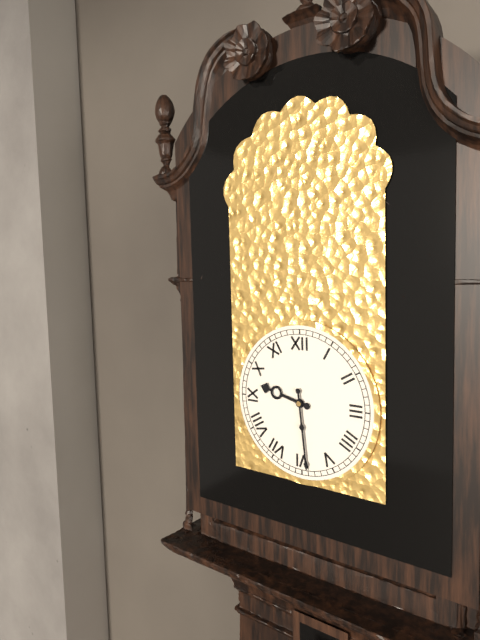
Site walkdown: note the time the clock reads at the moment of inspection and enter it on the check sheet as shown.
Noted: 9:29
